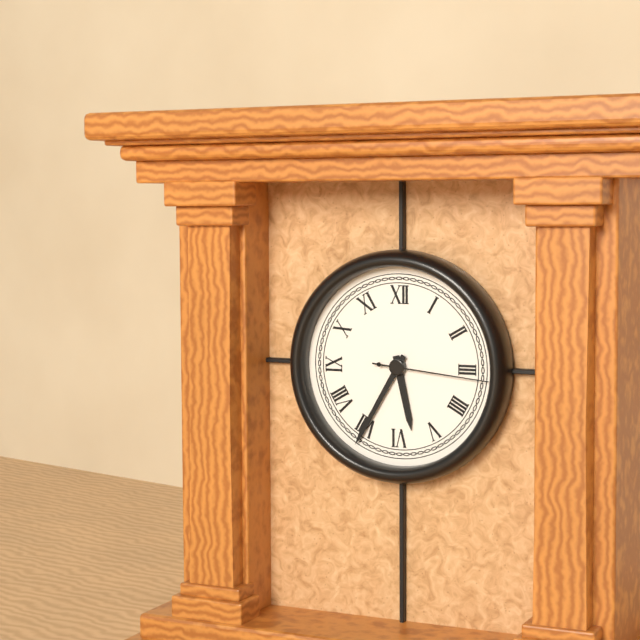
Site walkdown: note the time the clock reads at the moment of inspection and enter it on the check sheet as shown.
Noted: 5:35:16
